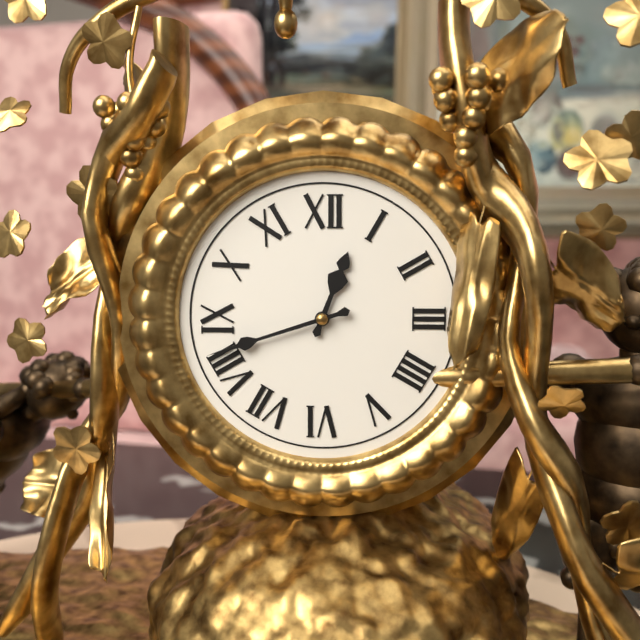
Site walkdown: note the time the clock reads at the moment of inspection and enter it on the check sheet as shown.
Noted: 12:42
